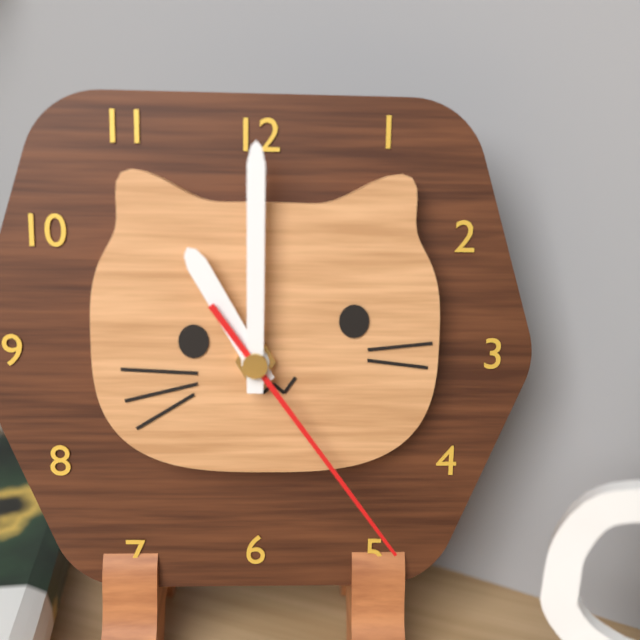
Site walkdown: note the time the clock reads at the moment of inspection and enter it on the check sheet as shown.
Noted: 11:00:24
